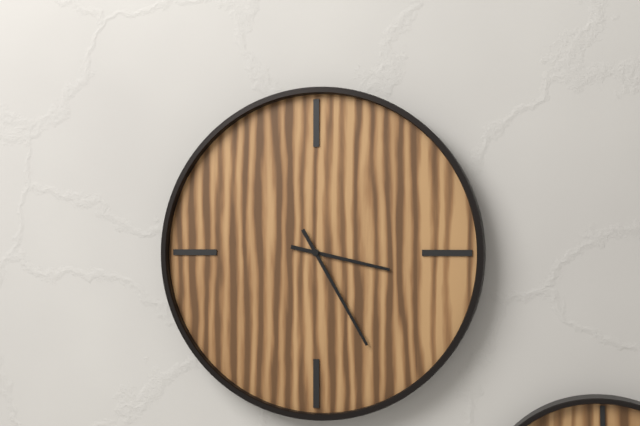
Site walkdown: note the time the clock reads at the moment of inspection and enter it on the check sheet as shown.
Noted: 3:25
